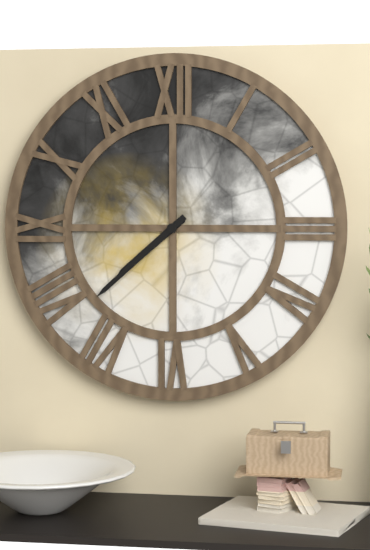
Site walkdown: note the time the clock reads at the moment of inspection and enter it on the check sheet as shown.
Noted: 7:38
